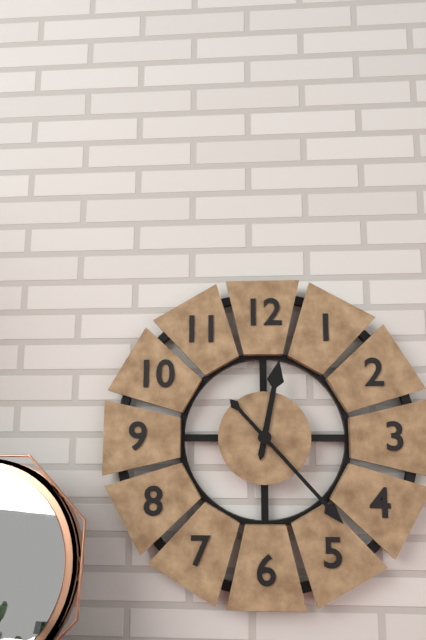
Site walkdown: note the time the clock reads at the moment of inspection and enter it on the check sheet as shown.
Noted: 12:23
